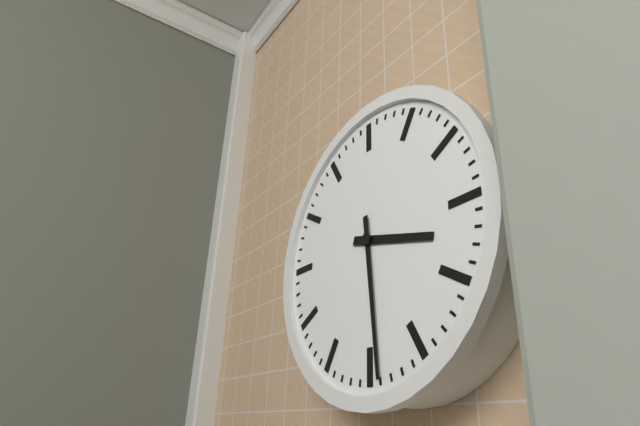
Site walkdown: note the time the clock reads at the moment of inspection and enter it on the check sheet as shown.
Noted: 3:29
